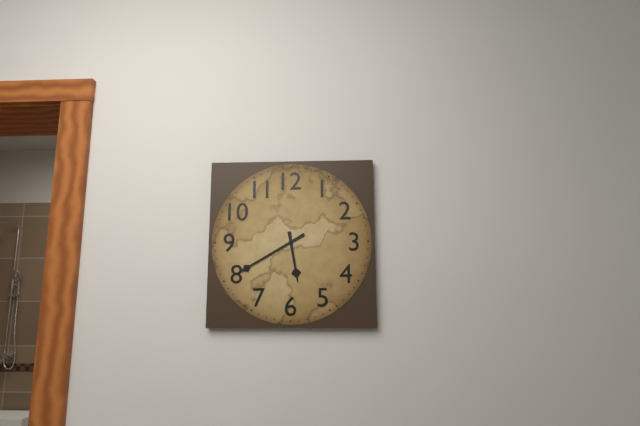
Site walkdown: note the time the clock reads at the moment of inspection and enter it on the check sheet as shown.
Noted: 5:40
